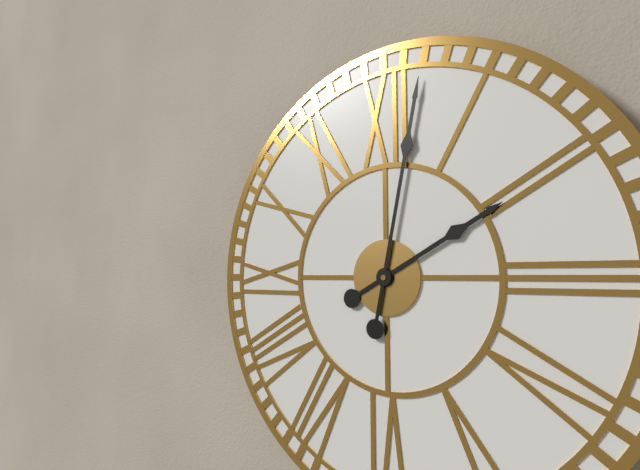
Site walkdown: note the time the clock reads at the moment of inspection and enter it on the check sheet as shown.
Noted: 2:02
